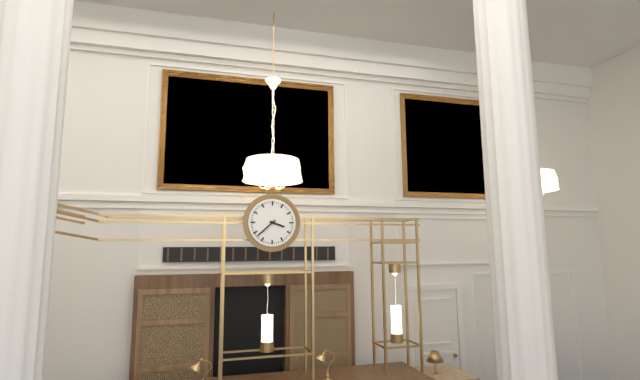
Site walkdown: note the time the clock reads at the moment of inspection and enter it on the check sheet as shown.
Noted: 3:38
